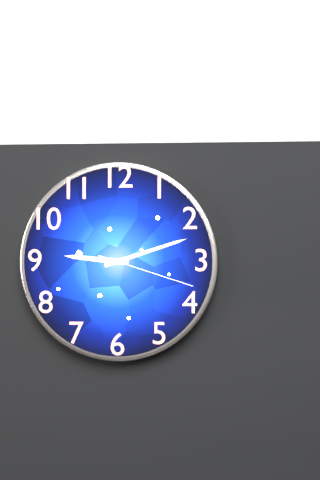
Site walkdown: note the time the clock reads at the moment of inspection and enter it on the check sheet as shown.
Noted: 9:12:18
